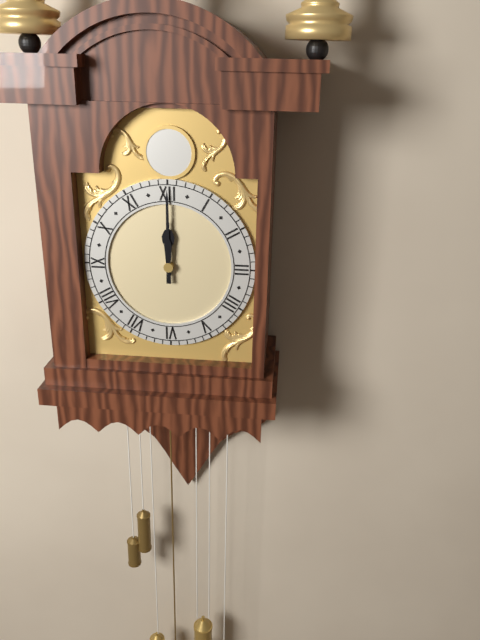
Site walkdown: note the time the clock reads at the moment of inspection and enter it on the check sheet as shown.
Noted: 12:00
